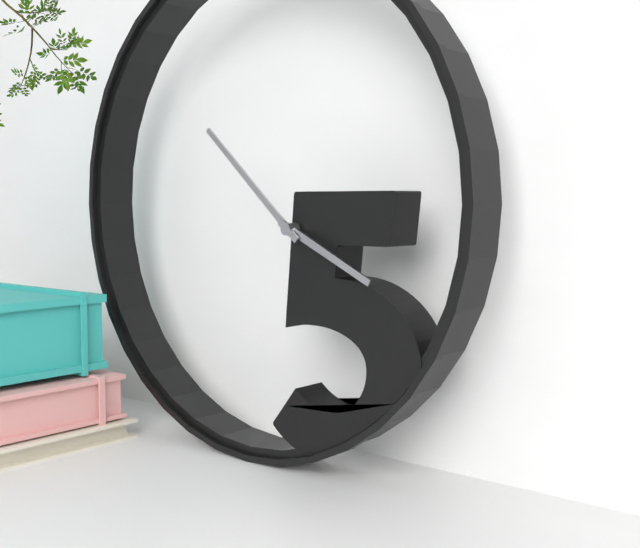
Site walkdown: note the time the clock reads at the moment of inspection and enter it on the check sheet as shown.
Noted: 3:52
